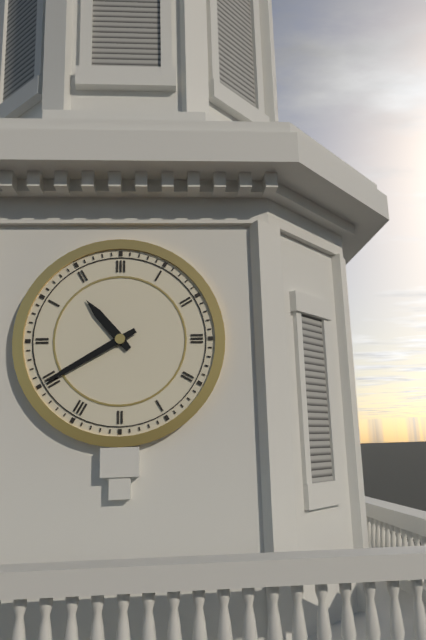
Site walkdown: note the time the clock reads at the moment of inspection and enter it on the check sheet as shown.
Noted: 10:40
